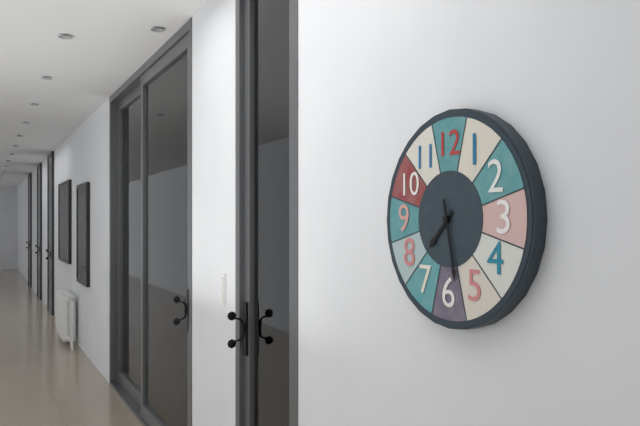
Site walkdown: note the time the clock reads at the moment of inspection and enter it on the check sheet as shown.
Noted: 7:28
